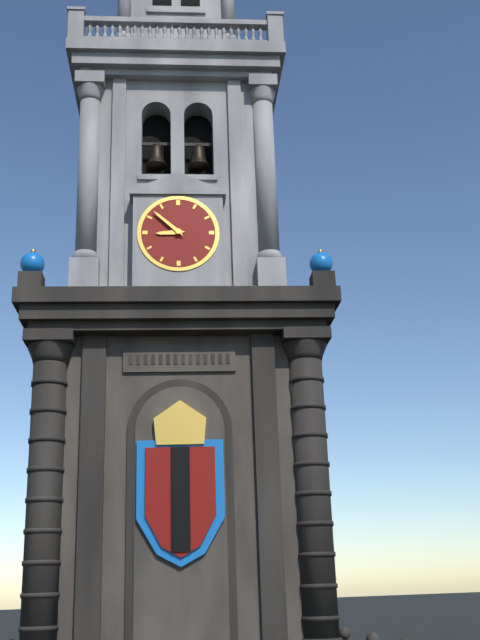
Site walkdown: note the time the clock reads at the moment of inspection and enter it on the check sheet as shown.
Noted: 8:52
